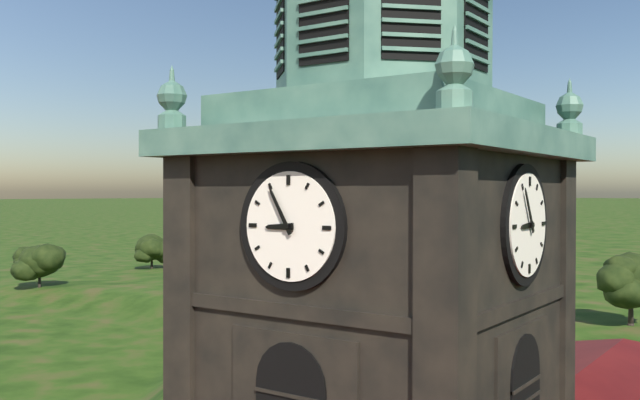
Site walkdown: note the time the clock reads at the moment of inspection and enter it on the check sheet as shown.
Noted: 8:55
